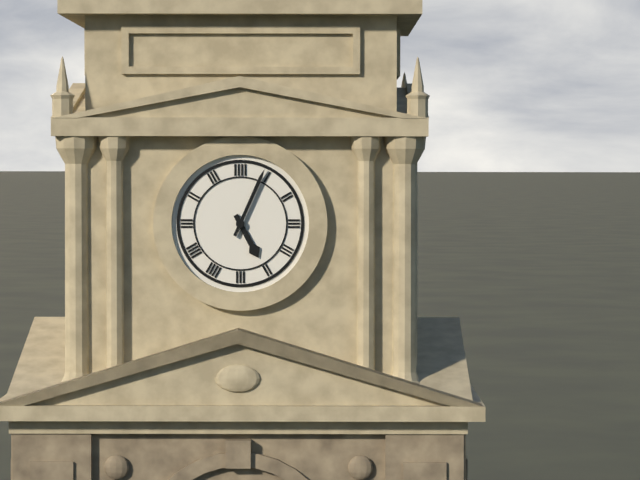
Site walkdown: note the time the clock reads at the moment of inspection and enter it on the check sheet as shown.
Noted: 5:04
